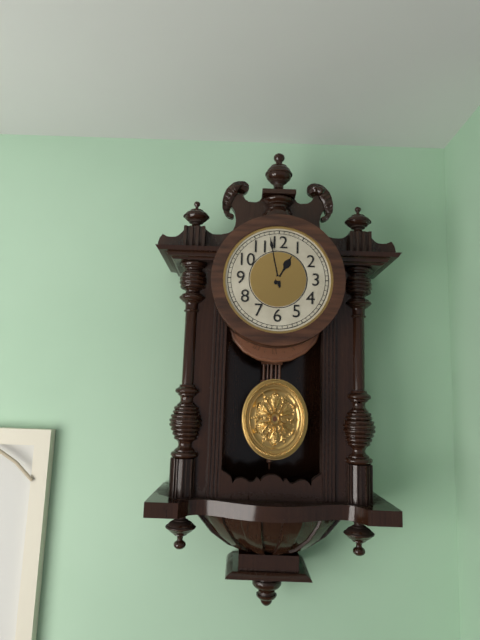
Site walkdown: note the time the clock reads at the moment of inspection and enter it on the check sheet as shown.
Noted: 12:58
